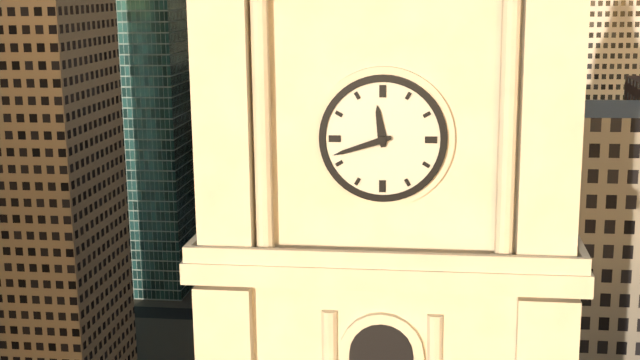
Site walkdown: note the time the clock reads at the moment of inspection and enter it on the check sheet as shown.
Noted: 11:42
